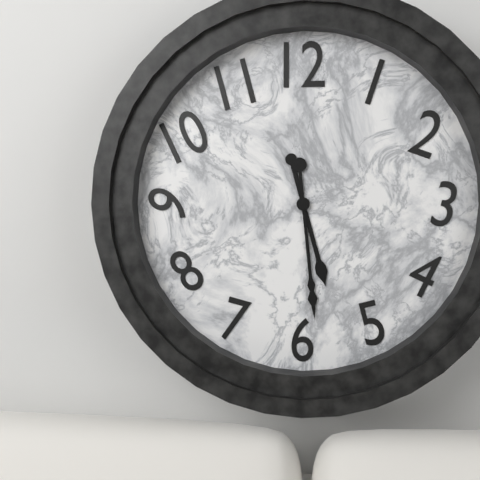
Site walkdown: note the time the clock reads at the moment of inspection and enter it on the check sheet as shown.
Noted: 5:29
